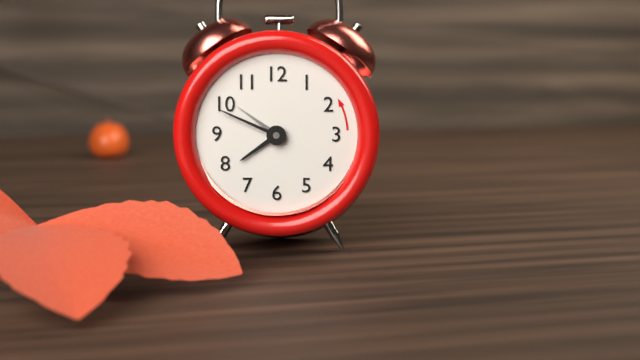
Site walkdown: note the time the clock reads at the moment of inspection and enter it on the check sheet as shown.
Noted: 7:49:51
